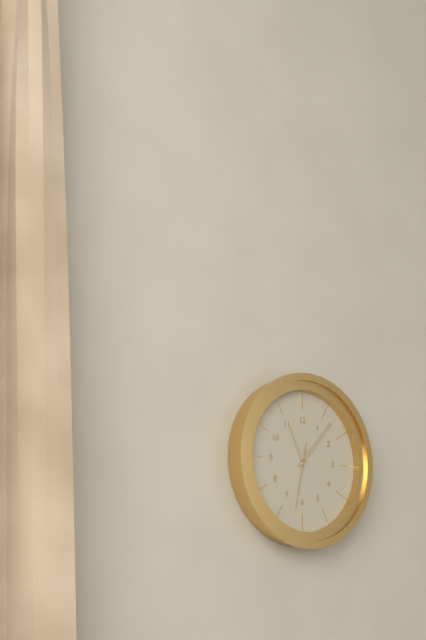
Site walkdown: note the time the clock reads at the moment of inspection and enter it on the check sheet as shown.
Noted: 11:07:32
